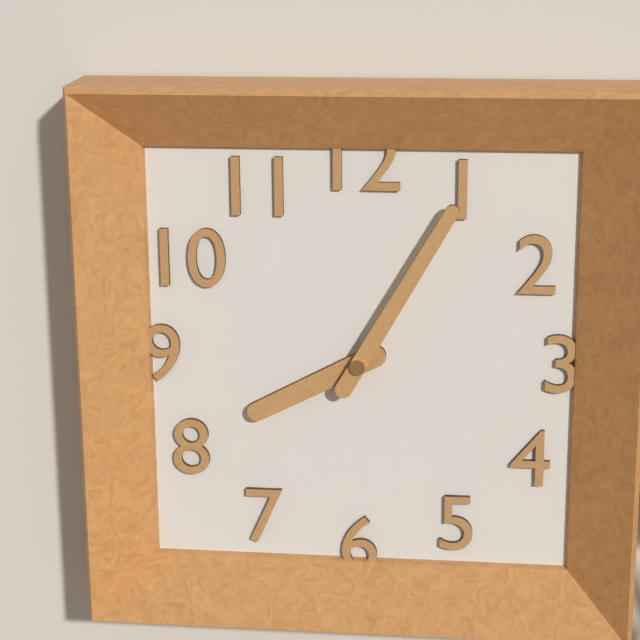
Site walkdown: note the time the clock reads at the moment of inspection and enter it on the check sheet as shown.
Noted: 8:05
